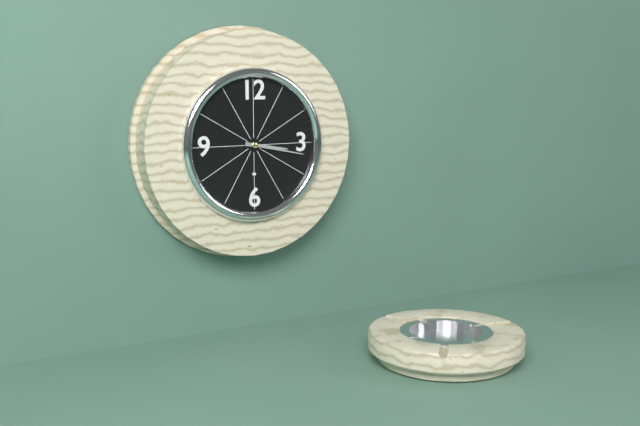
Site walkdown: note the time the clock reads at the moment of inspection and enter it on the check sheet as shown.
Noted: 3:17
